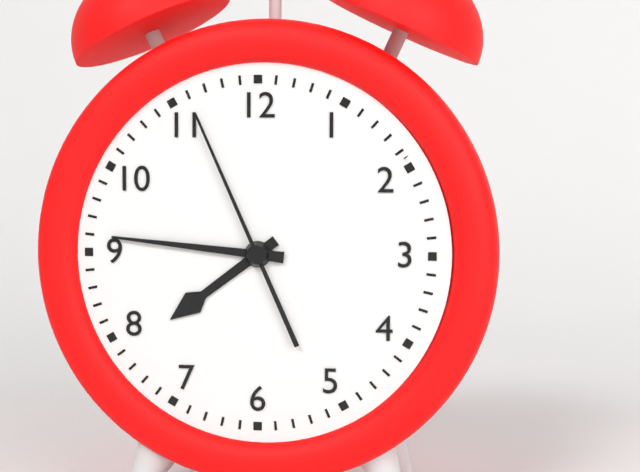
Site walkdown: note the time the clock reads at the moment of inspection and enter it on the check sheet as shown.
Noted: 7:46:56
